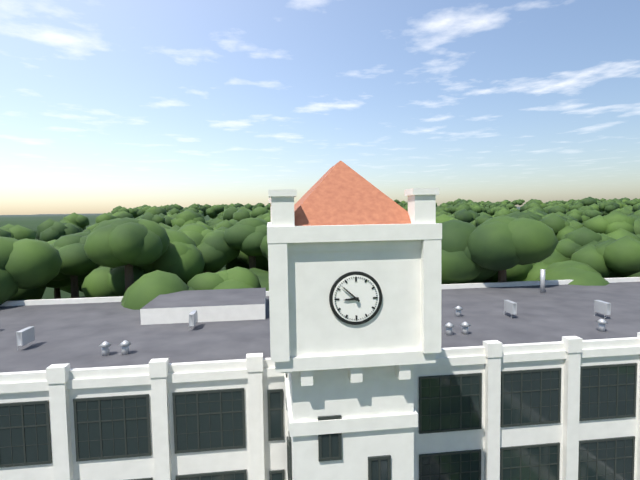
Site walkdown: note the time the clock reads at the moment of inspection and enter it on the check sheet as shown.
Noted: 8:52
